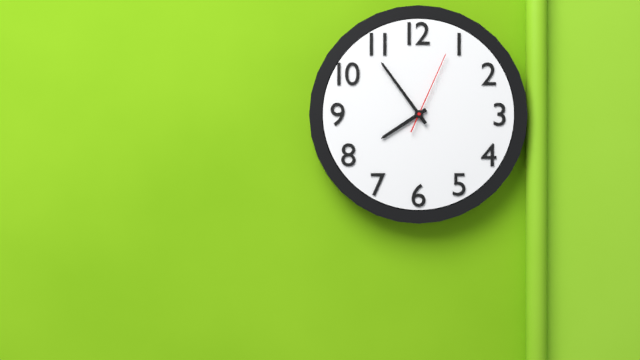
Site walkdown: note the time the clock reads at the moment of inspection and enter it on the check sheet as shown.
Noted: 7:54:04
